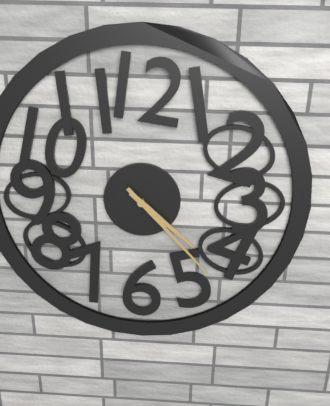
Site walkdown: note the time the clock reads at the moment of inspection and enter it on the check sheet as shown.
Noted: 4:23
